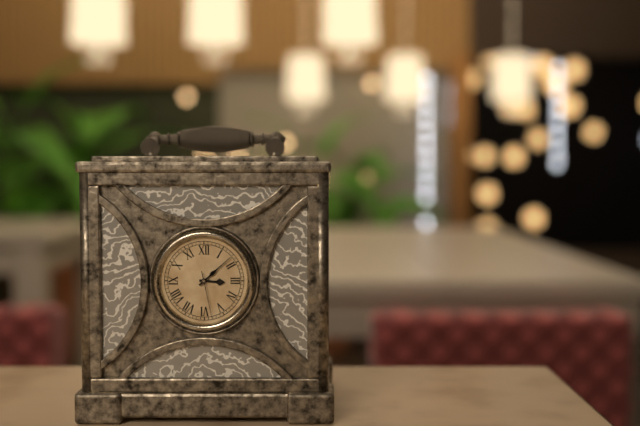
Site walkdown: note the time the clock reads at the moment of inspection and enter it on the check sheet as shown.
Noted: 3:08
